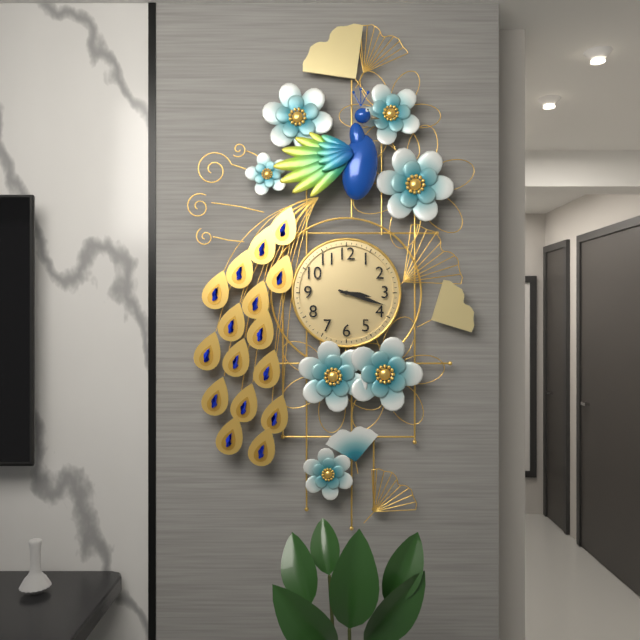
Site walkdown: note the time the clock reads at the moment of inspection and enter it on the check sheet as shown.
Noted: 3:18
